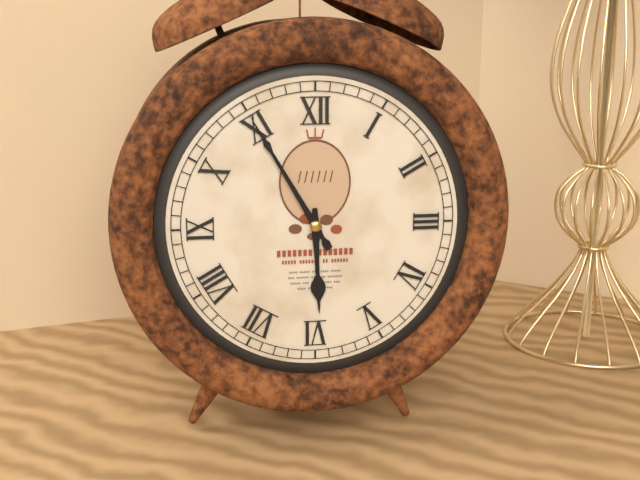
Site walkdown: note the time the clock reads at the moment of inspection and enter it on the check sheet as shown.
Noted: 5:55
